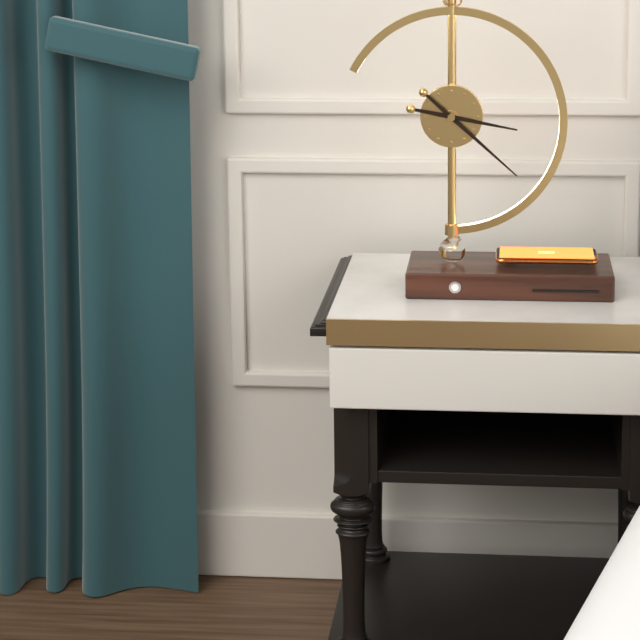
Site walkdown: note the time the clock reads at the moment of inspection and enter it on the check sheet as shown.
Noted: 3:22
